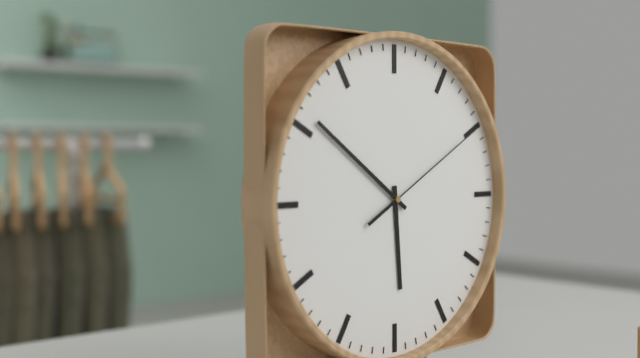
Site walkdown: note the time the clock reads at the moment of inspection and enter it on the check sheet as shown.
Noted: 5:51:10
